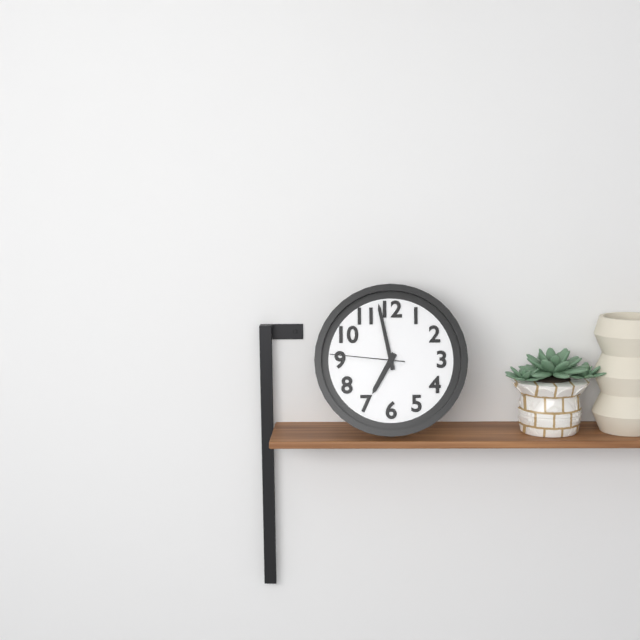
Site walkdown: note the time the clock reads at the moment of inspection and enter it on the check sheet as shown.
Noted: 6:58:46
